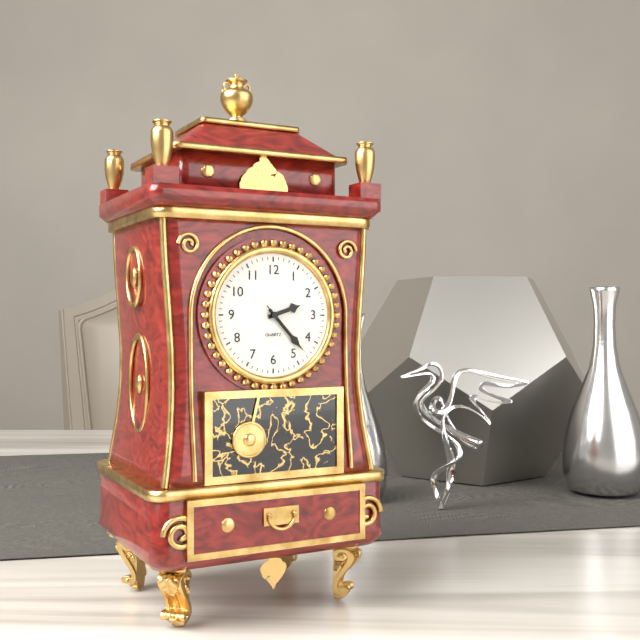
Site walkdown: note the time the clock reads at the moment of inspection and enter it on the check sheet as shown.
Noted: 2:23:23
